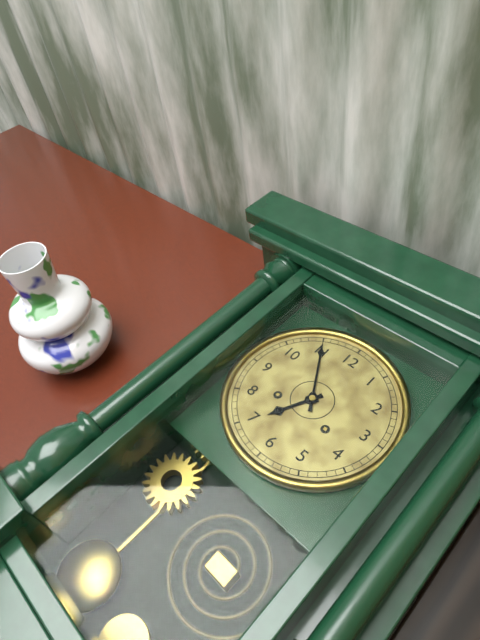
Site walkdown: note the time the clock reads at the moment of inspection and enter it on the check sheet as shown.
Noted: 6:55
